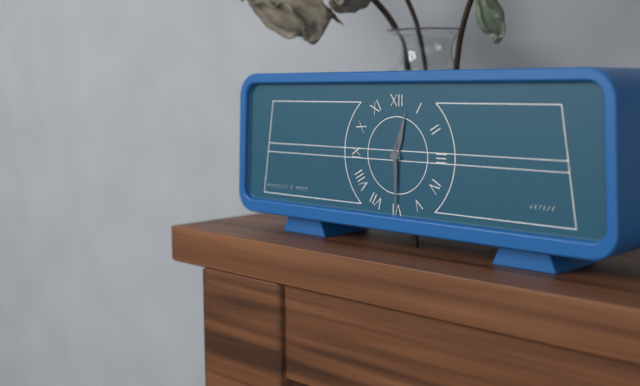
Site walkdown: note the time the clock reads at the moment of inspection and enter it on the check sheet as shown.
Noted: 12:30
